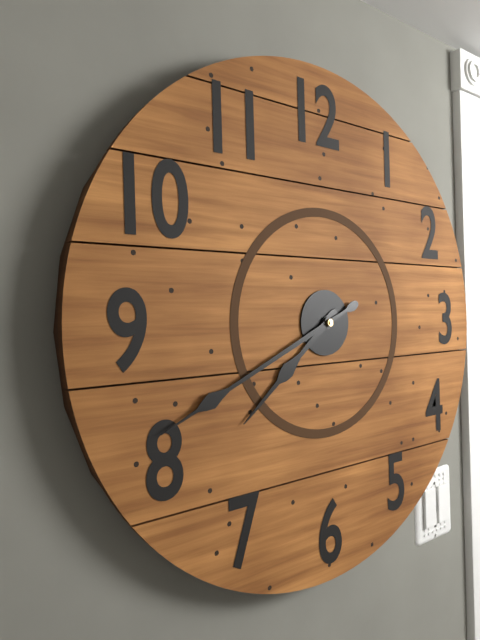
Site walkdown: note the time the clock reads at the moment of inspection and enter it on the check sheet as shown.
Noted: 7:41
